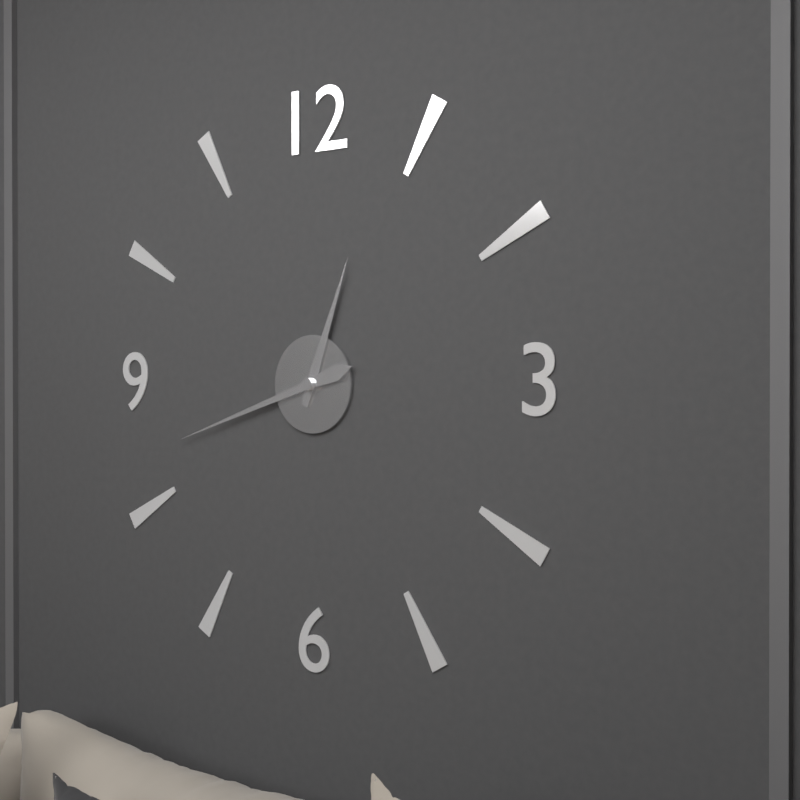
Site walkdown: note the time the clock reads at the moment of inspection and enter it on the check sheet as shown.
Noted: 12:42
